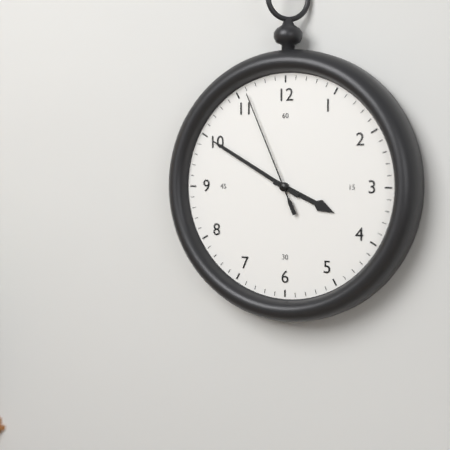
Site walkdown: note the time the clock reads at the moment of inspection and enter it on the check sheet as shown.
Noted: 3:50:56
